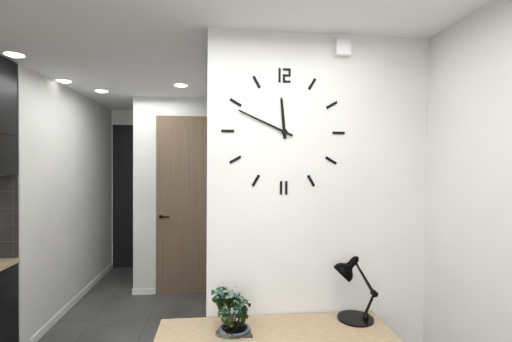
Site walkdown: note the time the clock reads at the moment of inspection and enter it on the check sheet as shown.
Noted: 11:49
